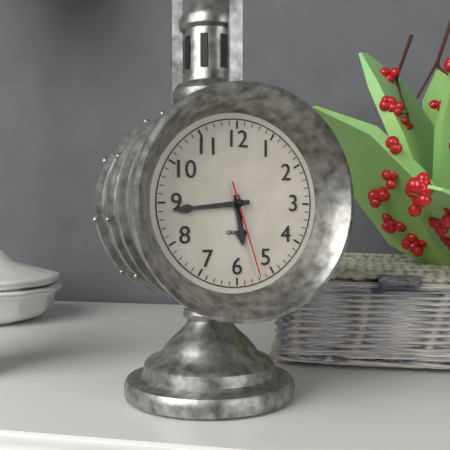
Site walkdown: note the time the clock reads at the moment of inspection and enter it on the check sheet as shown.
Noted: 5:44:27
